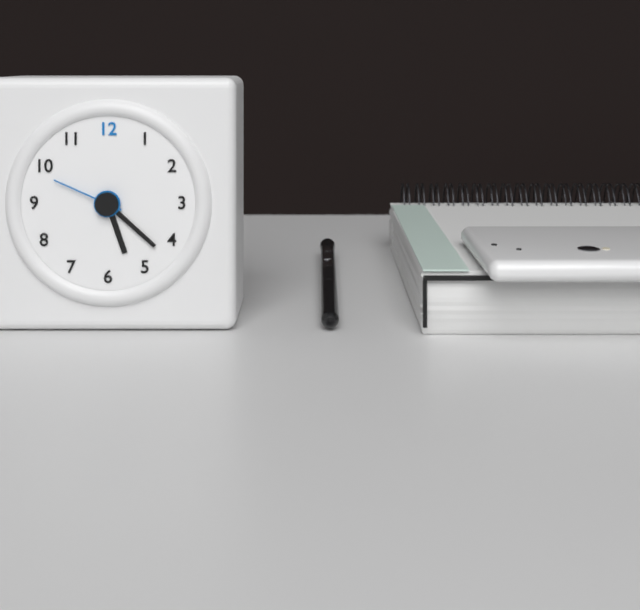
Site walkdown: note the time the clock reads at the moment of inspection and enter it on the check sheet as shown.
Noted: 5:22:49
